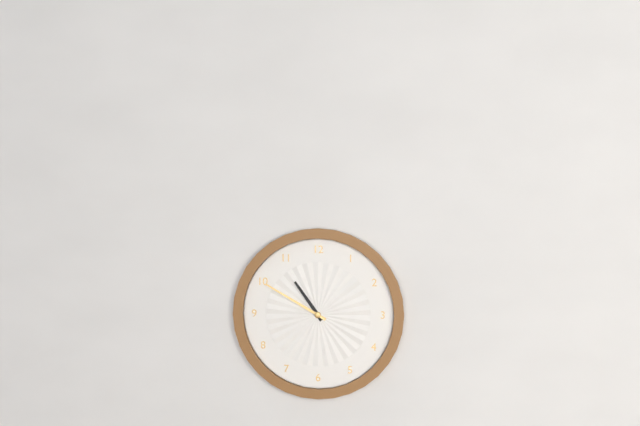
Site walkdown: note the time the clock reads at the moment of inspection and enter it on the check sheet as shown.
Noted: 10:50
